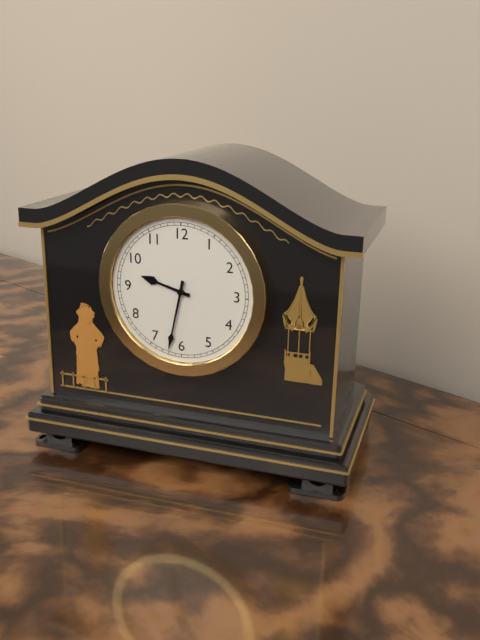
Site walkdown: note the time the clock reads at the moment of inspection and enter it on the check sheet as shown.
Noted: 9:32
